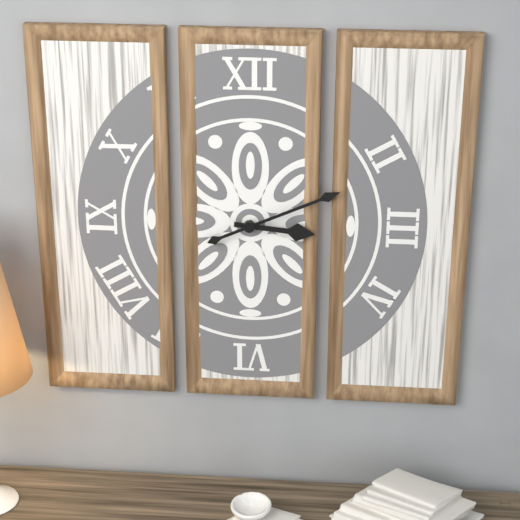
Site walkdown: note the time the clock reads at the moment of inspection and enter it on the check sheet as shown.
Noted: 3:11
